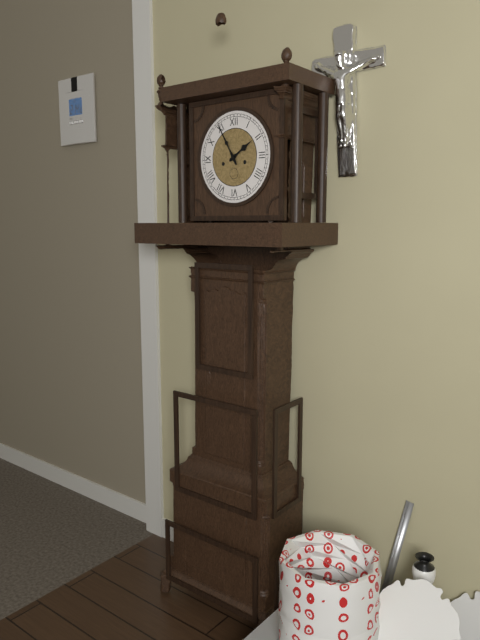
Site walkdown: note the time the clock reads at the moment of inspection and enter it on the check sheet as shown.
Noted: 1:55
